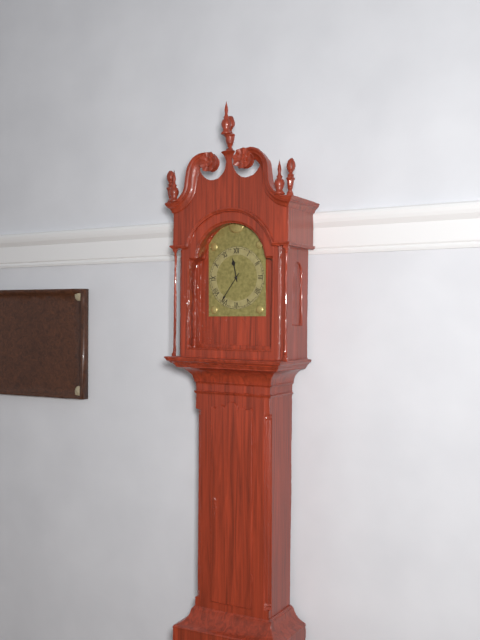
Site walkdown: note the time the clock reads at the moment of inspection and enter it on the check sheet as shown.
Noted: 11:36
